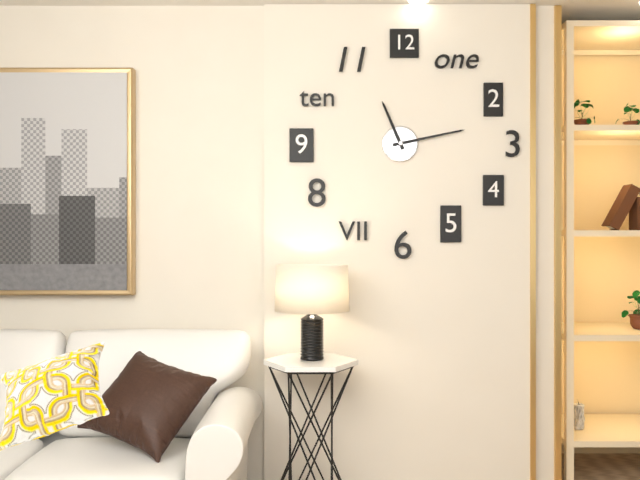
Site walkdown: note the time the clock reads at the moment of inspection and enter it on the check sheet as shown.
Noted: 11:13
